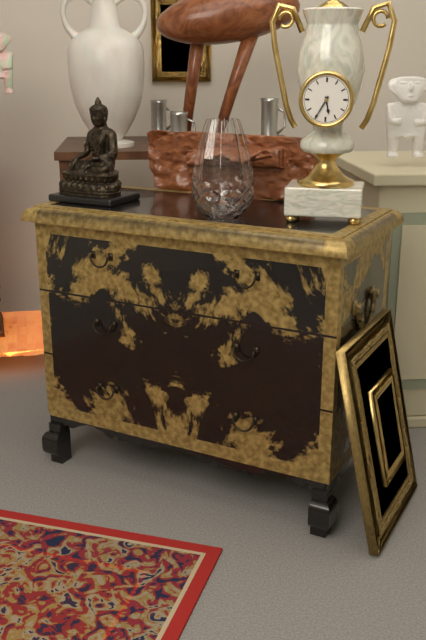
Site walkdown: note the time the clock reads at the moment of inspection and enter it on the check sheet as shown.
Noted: 5:35
